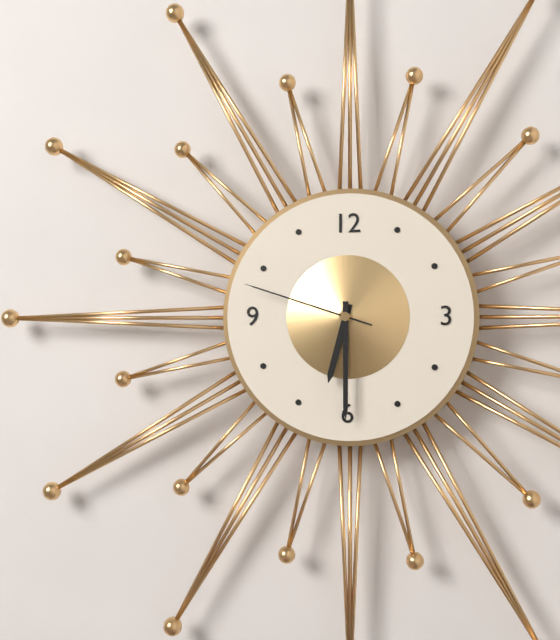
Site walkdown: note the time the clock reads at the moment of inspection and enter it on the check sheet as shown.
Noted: 6:30:48
